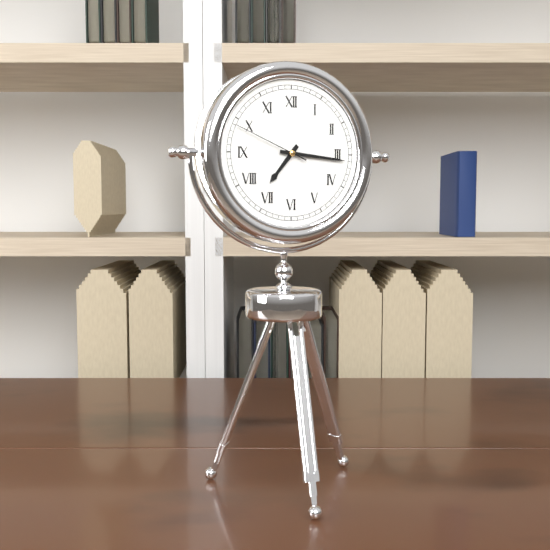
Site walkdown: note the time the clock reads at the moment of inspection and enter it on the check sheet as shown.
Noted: 7:16:49
